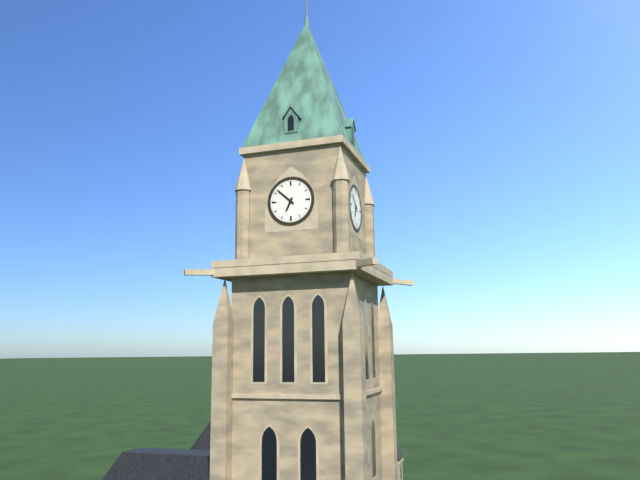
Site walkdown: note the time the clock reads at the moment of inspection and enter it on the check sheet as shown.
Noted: 6:52
